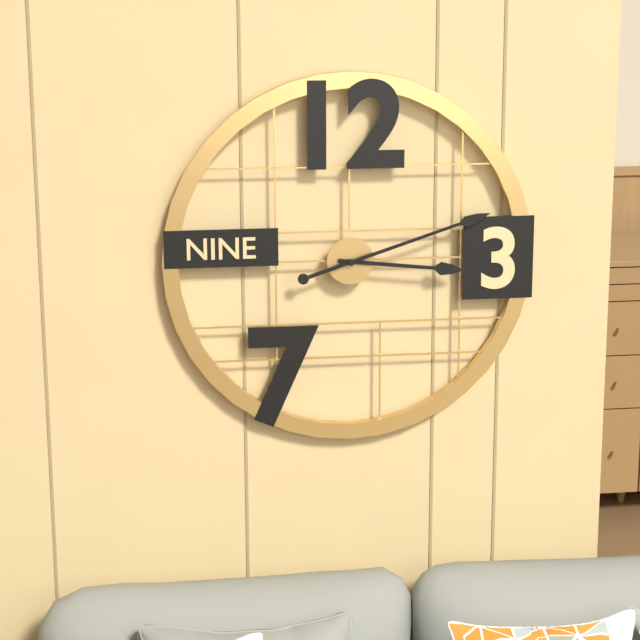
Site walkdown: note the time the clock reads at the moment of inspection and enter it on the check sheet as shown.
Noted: 3:12
